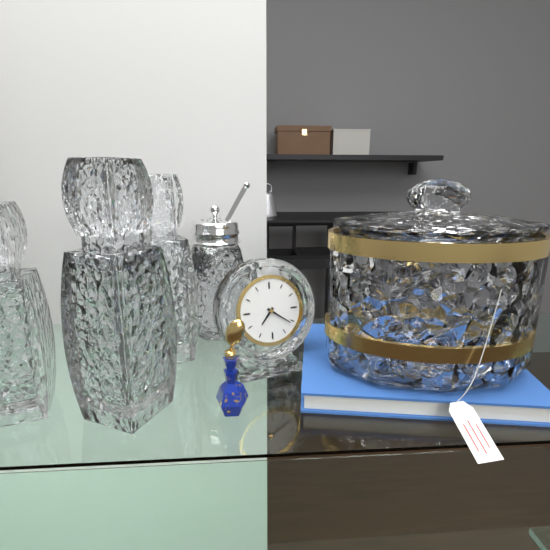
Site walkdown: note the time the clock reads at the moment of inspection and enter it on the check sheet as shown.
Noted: 7:21
